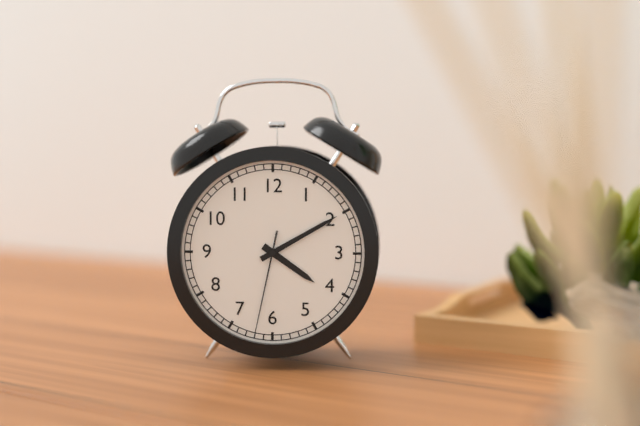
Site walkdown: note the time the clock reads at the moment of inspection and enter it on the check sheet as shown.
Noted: 4:10:32
